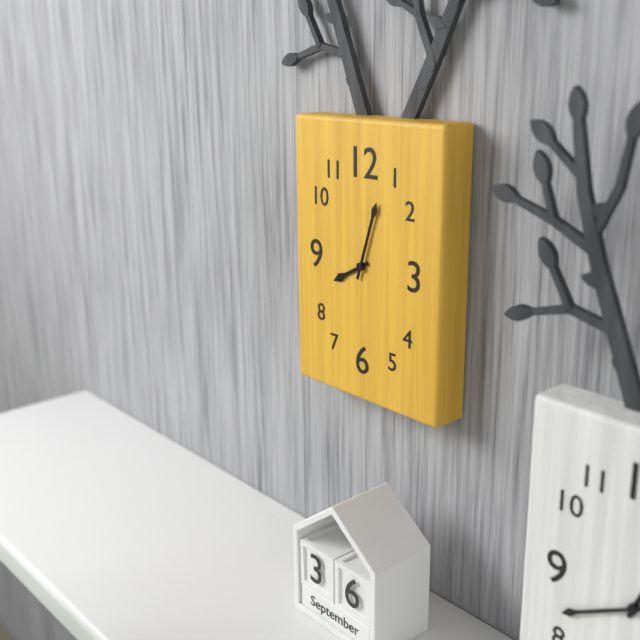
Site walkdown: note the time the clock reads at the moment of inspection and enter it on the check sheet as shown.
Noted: 8:03
